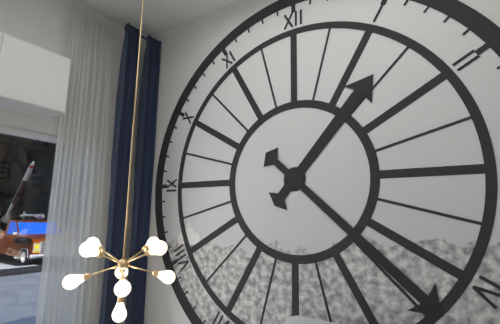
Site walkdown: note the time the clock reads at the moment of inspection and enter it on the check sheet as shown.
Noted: 1:22
